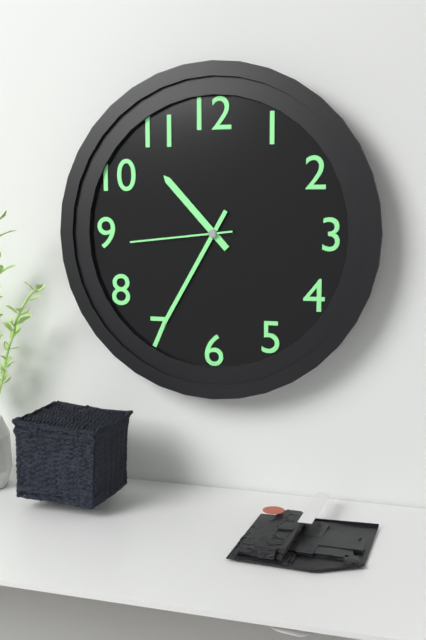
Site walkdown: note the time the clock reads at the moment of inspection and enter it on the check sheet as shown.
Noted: 10:35:44
